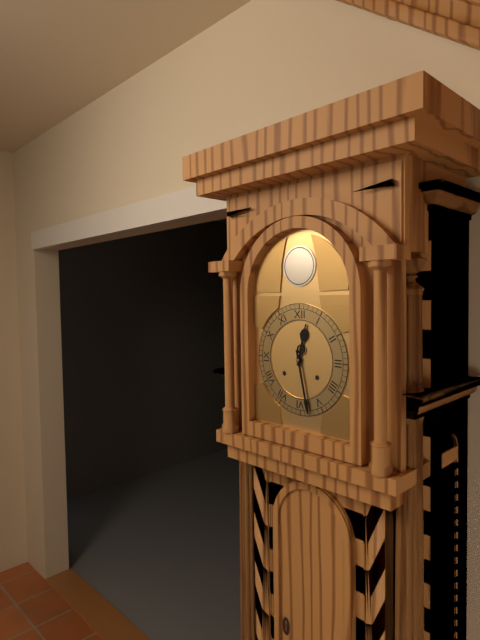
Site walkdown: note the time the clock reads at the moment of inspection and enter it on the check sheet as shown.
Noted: 12:28
